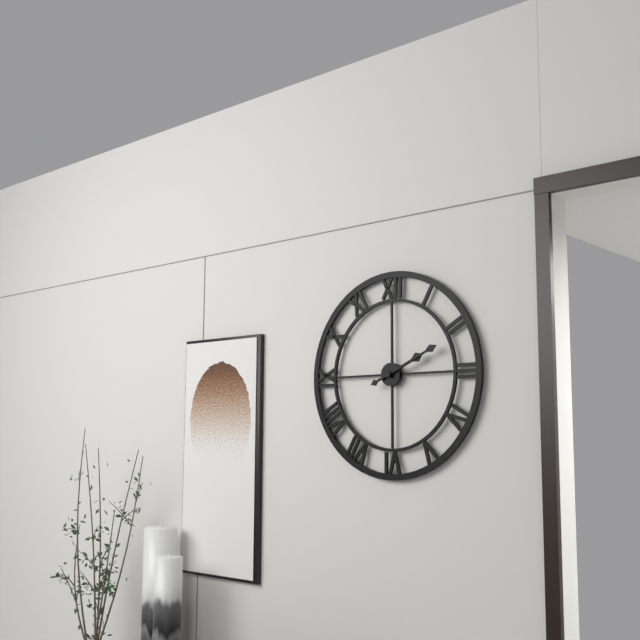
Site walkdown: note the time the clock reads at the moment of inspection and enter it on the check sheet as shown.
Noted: 2:11
